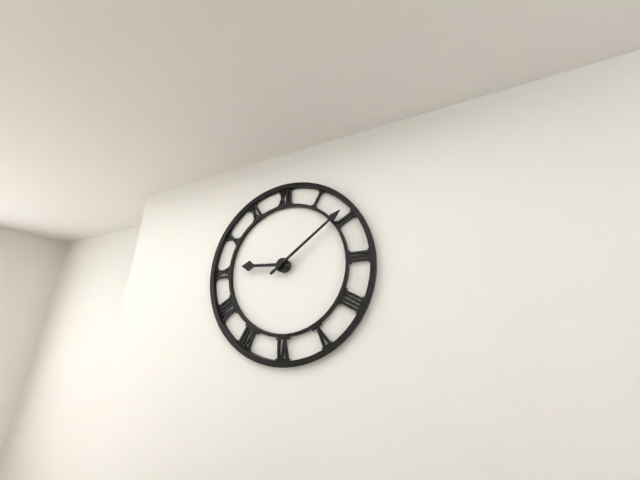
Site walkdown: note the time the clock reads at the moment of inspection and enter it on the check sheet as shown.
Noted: 9:09
